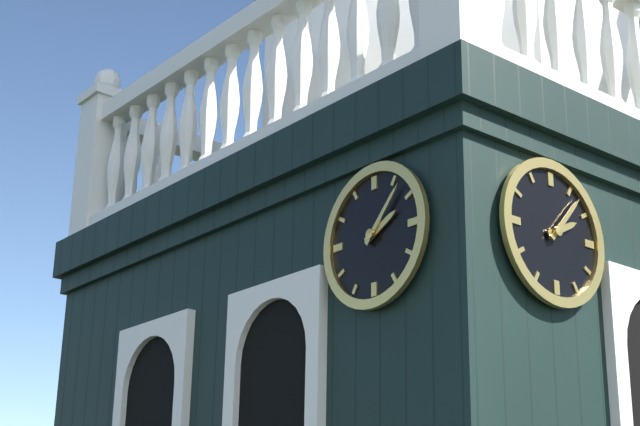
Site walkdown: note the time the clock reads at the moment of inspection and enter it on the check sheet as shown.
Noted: 2:07
